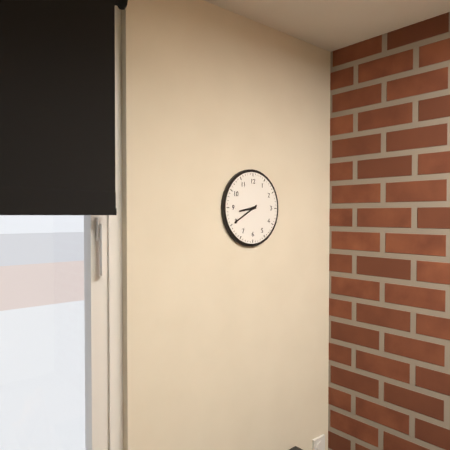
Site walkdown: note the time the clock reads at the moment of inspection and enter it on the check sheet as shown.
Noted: 8:40
